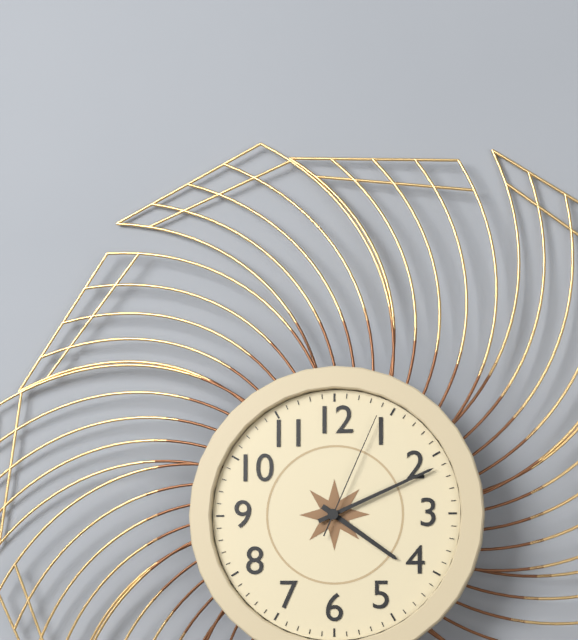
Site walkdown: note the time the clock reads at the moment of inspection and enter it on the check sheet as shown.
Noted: 4:11:04
